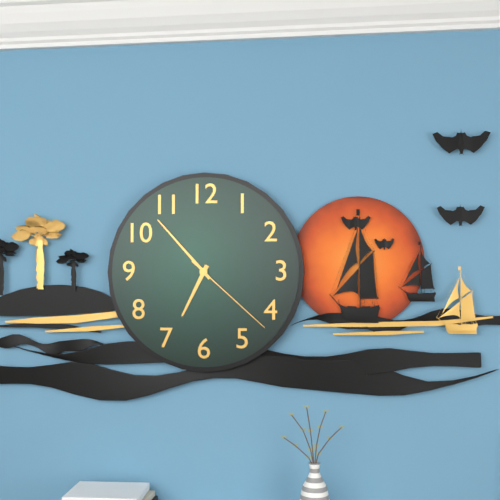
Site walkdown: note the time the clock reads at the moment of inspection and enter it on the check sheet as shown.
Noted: 6:53:22
